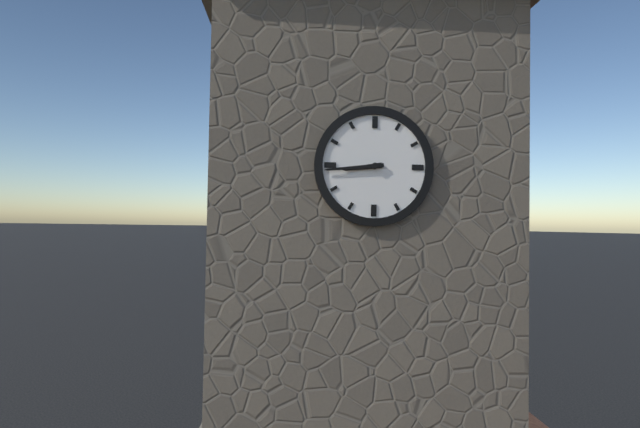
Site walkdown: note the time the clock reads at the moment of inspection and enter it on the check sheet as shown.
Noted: 8:44
